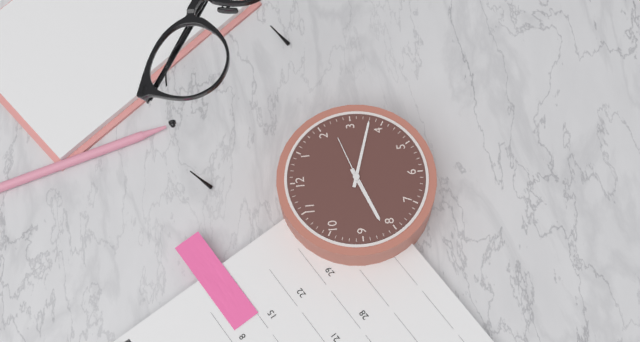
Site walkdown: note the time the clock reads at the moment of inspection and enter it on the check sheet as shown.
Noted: 8:18:12
